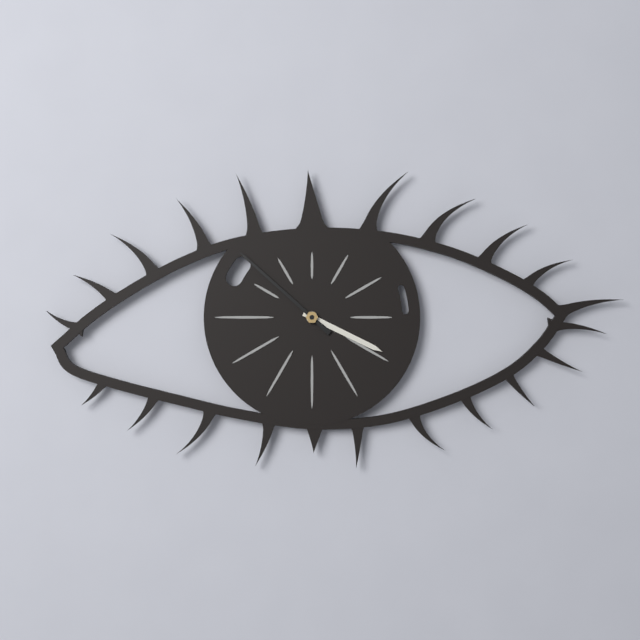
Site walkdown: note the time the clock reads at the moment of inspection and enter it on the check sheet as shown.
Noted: 3:52
